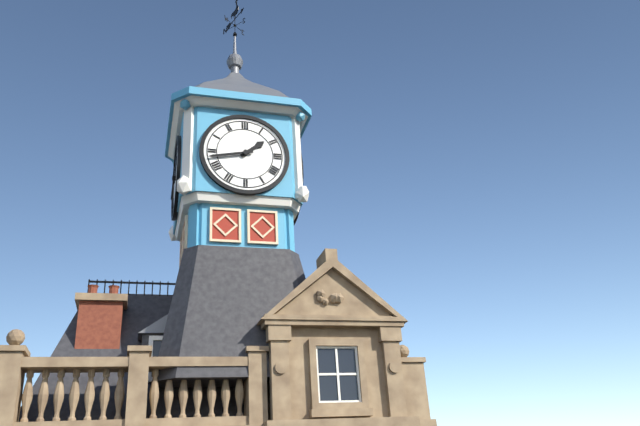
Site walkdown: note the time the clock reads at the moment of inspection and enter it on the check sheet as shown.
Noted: 1:43
